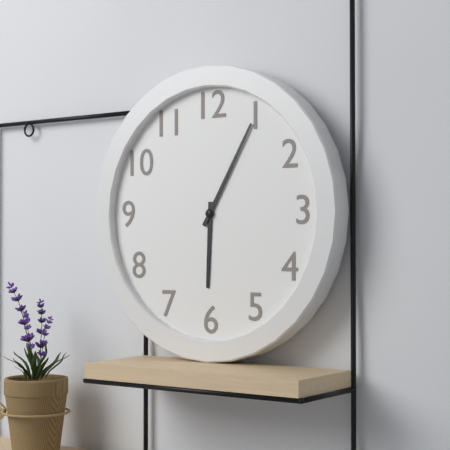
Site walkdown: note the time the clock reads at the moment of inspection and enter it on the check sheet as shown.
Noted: 6:05
